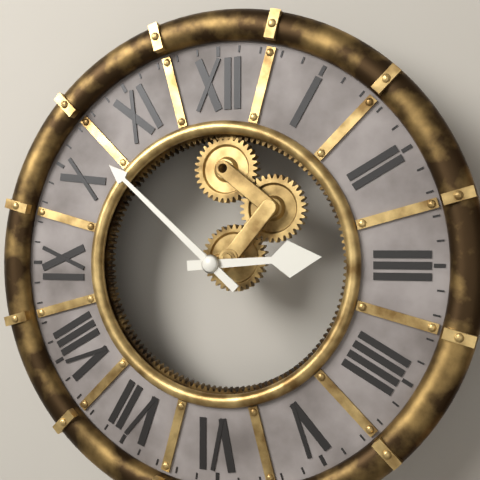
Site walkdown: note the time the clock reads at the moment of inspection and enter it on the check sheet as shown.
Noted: 2:52
